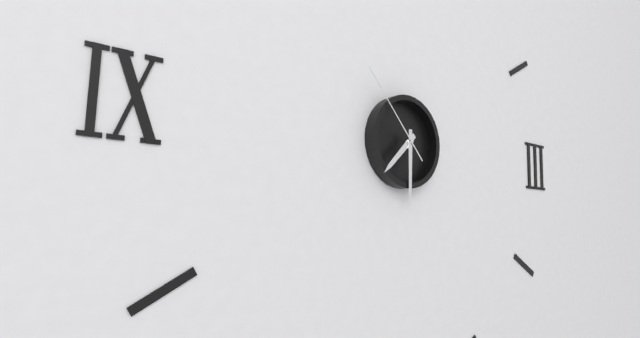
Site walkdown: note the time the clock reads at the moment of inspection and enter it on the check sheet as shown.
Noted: 7:30:53
